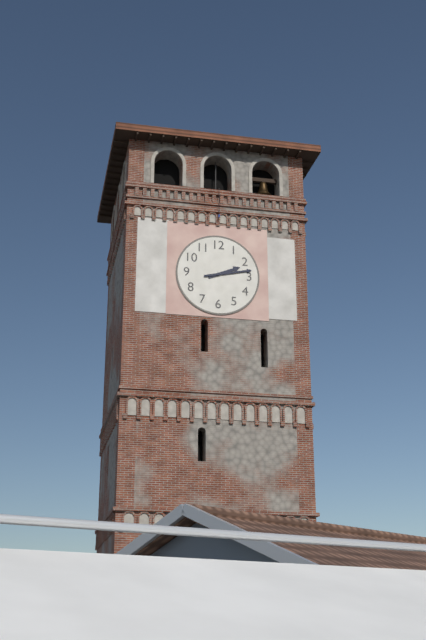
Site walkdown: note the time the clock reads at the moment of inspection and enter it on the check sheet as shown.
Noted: 2:13
